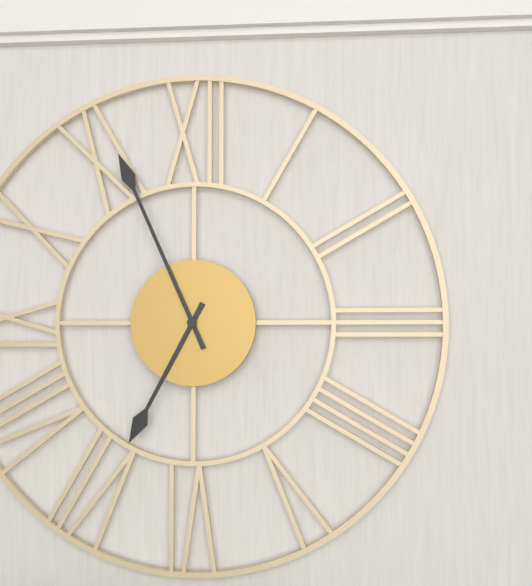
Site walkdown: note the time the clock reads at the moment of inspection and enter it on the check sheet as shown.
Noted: 6:56
